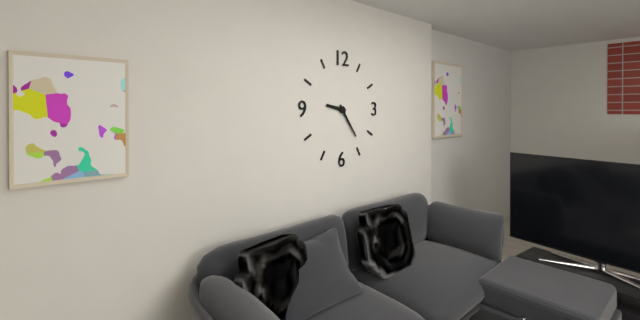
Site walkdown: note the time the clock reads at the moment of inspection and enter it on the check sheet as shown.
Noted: 9:24
